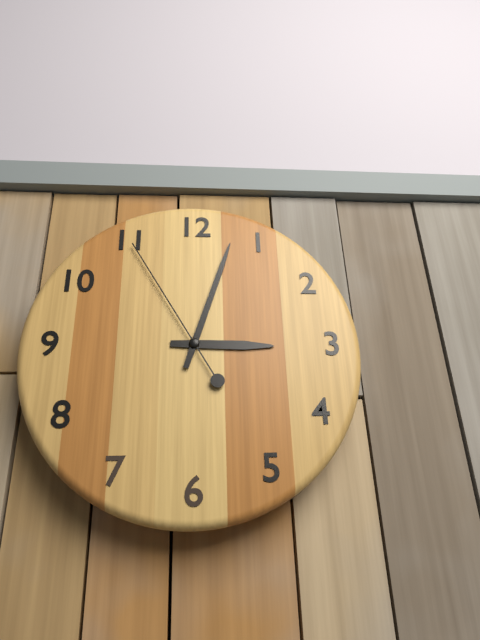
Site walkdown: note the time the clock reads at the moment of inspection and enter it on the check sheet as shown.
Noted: 3:03:55
